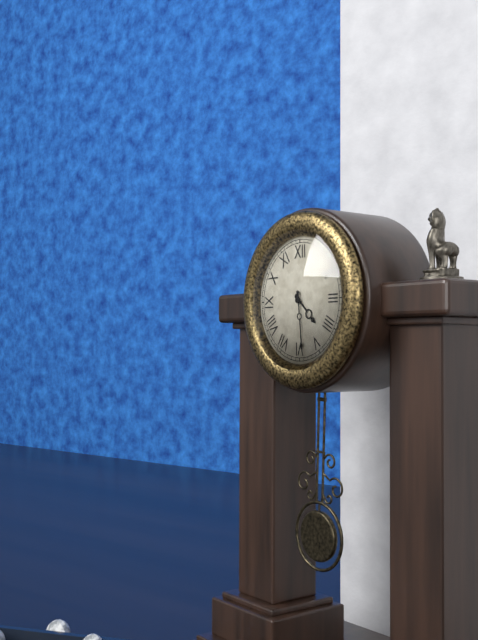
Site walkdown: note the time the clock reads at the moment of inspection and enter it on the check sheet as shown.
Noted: 4:29
